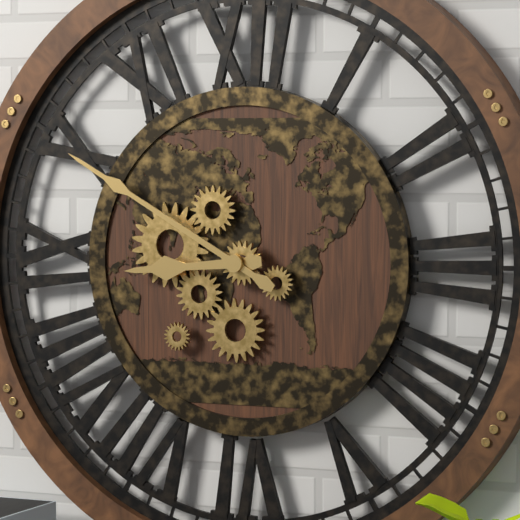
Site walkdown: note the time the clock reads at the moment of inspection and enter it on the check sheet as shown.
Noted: 8:50
